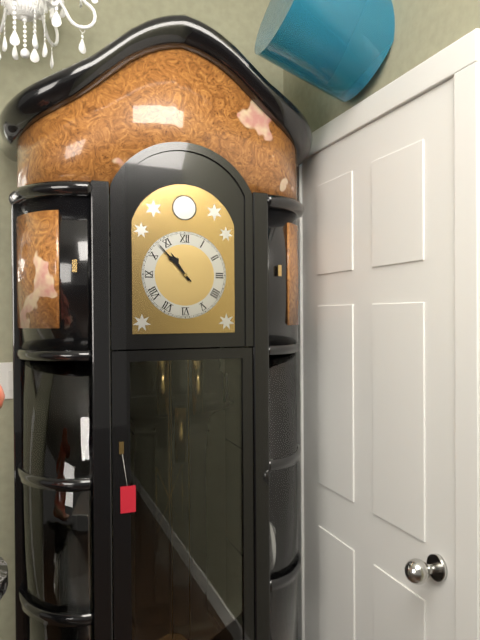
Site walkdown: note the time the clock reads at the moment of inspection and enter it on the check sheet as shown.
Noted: 10:53
